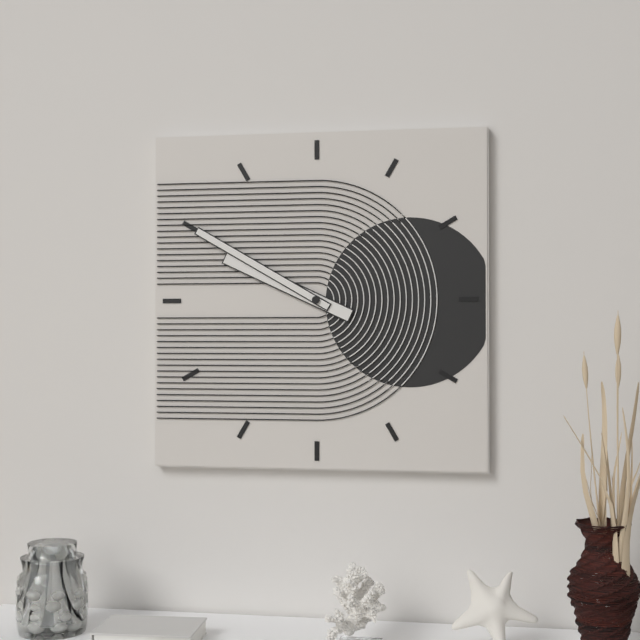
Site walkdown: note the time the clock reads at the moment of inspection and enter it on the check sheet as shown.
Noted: 9:50
